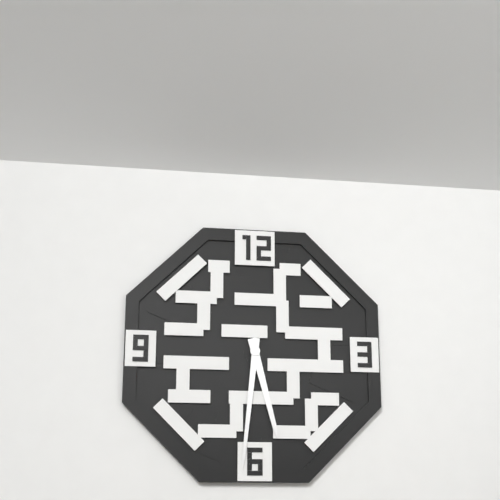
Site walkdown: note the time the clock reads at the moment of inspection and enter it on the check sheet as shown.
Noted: 5:31
